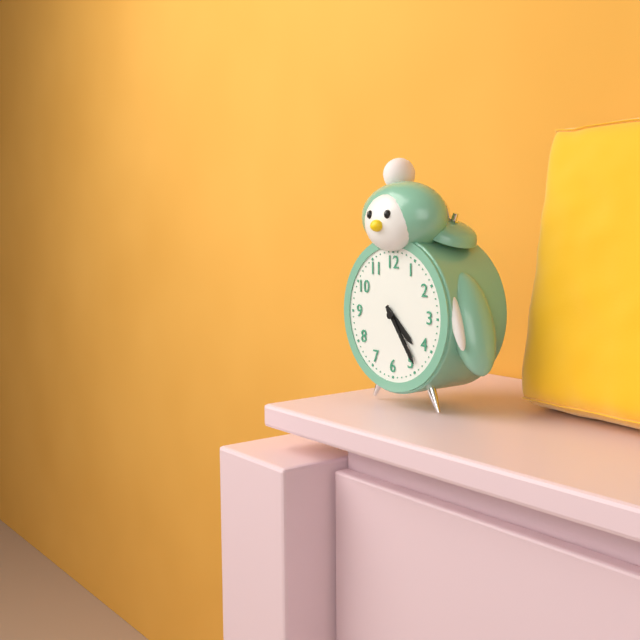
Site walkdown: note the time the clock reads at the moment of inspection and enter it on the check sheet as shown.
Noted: 4:24
